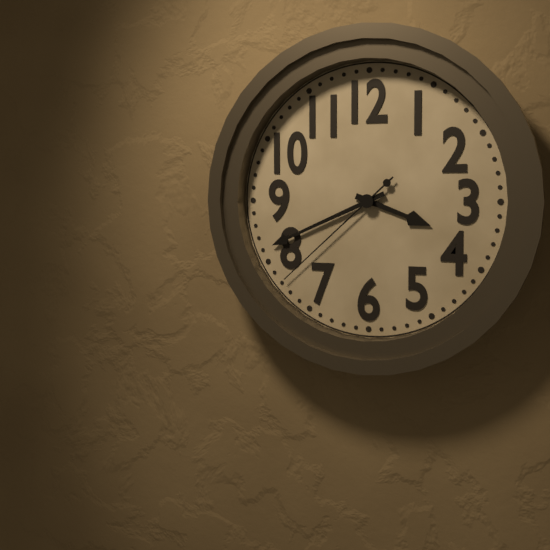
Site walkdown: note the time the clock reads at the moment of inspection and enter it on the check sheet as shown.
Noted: 3:41:38
